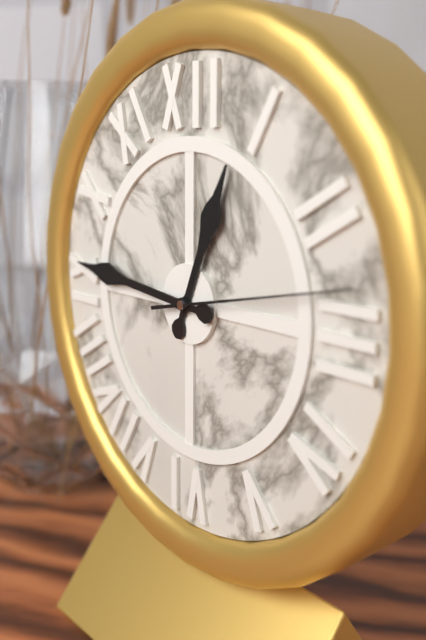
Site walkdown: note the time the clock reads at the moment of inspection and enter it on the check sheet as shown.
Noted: 12:46:13
